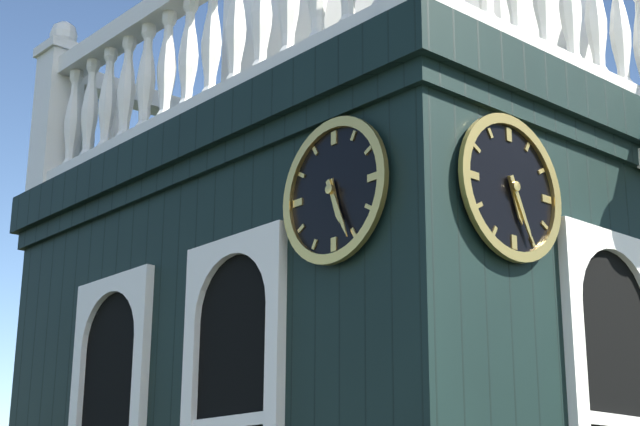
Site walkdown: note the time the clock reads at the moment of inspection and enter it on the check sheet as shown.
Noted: 5:26
